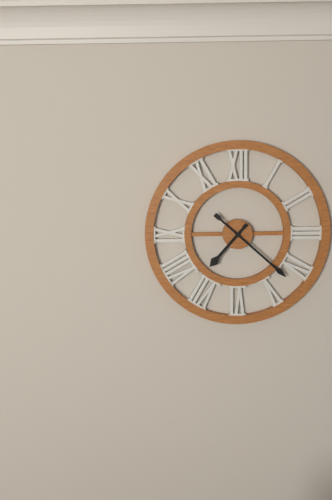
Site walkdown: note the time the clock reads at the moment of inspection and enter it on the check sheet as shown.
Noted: 7:22
